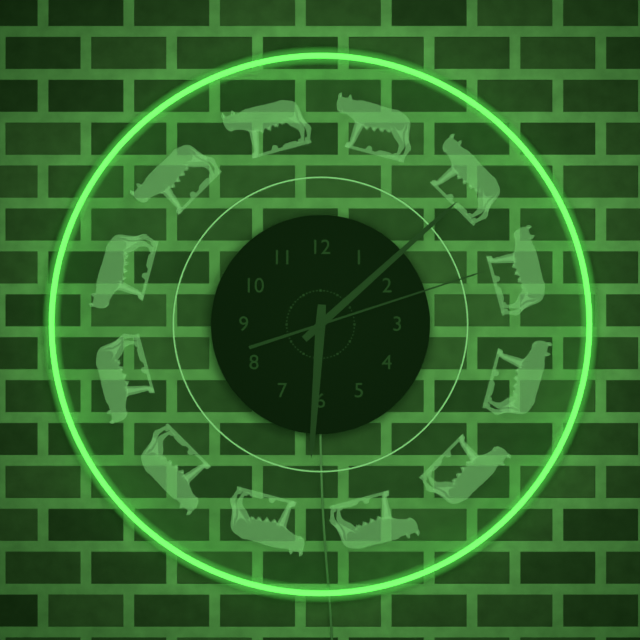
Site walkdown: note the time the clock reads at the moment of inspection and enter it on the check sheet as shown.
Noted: 6:08:12
